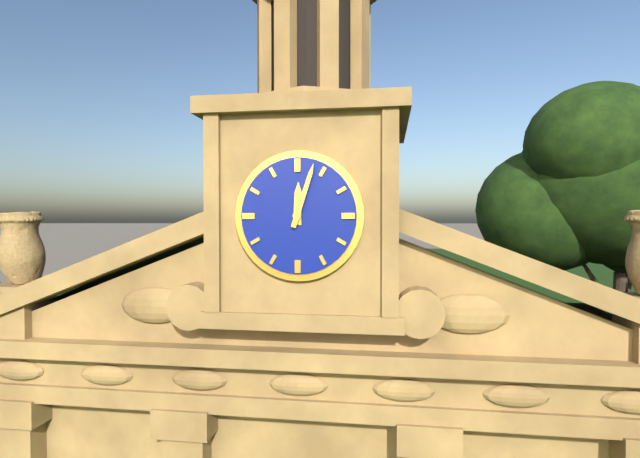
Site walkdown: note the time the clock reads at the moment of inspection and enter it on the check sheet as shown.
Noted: 12:03
